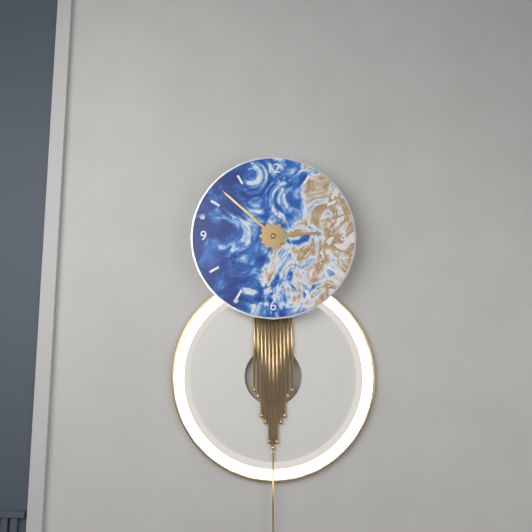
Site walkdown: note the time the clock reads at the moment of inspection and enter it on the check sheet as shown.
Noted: 2:52
